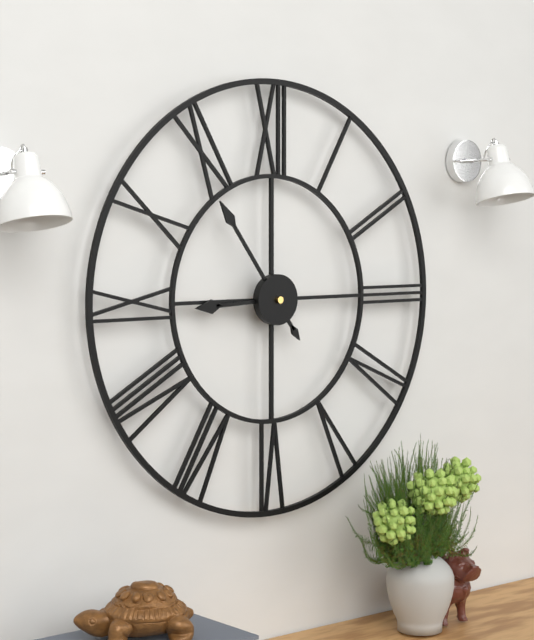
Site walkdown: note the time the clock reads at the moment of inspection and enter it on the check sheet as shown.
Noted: 8:54
